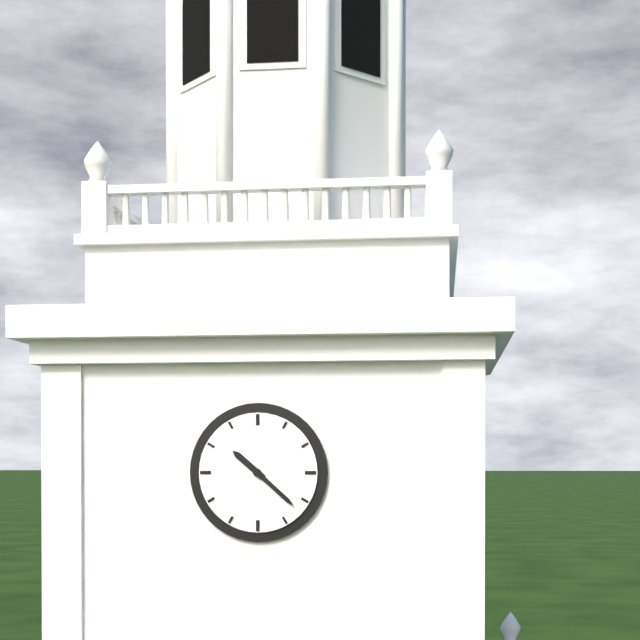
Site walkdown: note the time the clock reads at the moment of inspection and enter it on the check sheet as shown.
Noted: 10:22
